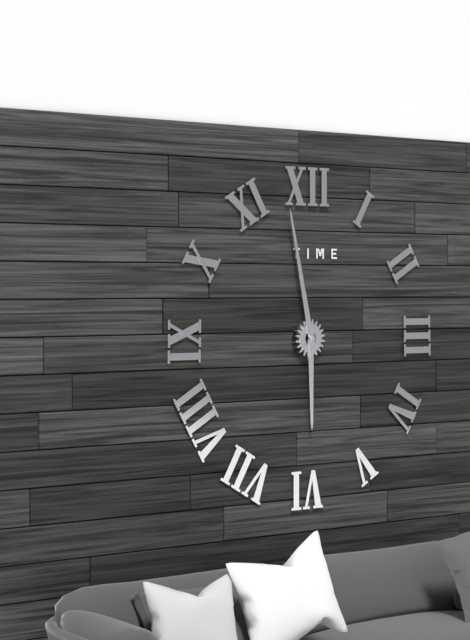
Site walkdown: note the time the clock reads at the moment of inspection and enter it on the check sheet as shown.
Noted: 5:58
